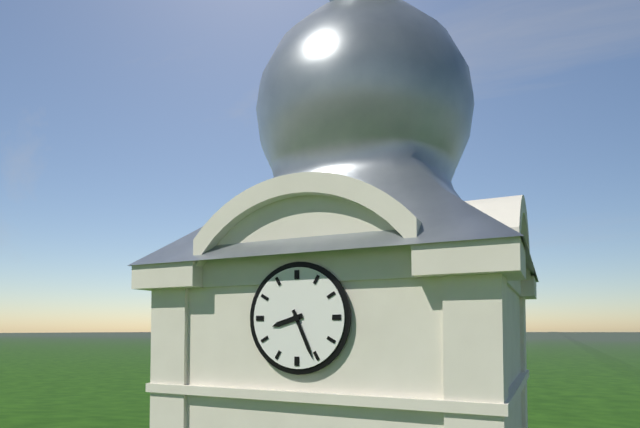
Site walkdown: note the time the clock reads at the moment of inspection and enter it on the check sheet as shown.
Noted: 8:26
